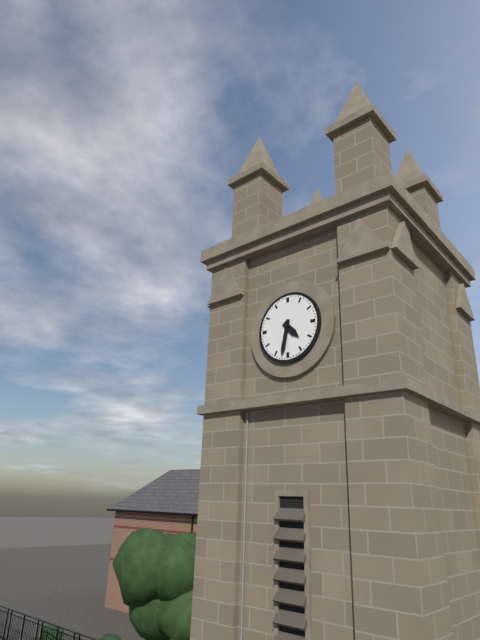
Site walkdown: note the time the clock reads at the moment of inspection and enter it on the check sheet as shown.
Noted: 4:32
